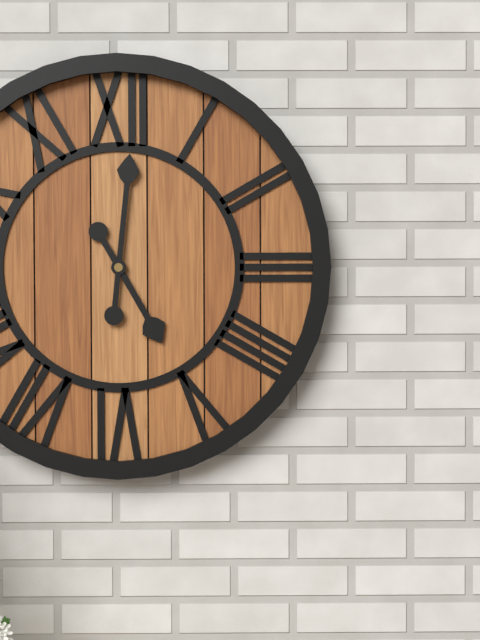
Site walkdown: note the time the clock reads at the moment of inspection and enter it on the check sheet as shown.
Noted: 5:01
